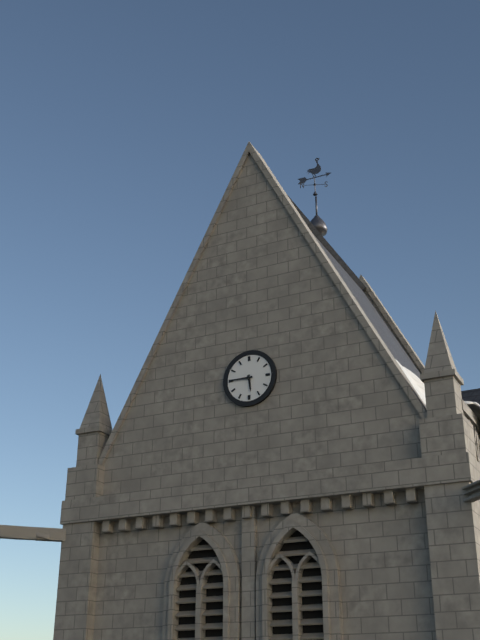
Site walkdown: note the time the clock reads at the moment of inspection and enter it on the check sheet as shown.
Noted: 5:45
